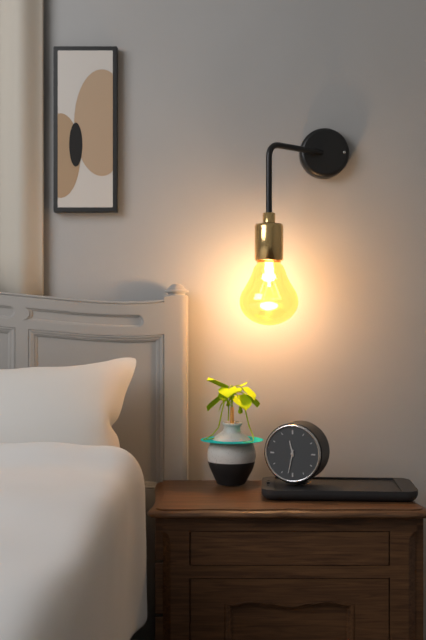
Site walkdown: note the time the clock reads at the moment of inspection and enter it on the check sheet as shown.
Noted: 11:32
